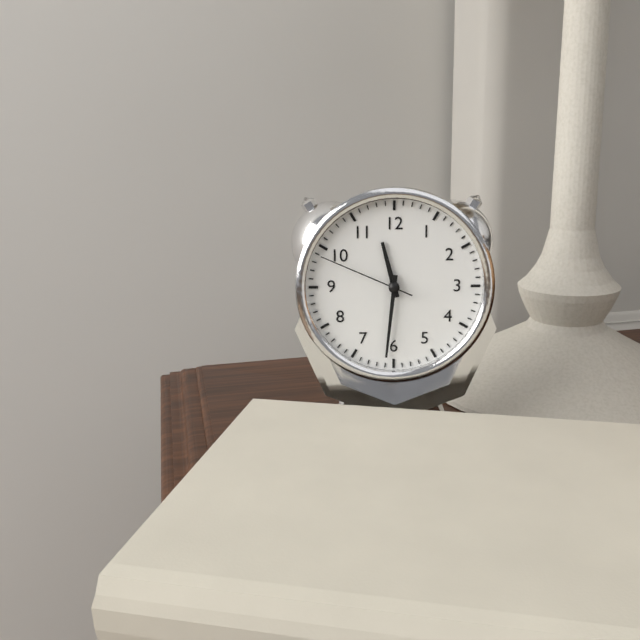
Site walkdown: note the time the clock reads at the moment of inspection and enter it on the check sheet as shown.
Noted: 11:31:49
